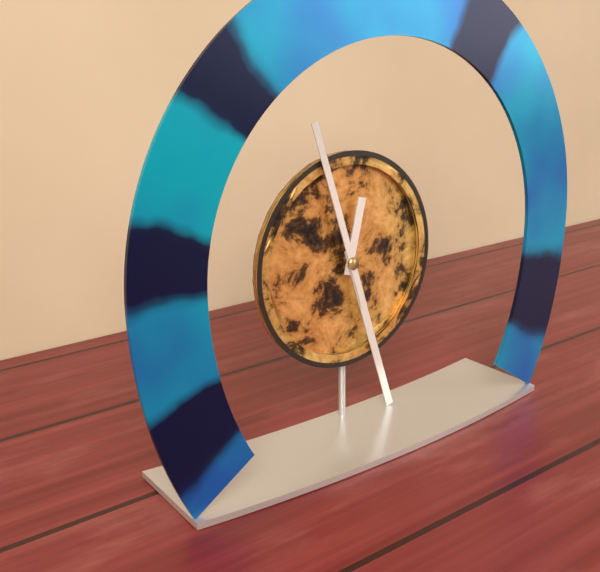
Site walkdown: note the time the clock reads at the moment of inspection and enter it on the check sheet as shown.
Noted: 12:27:57
